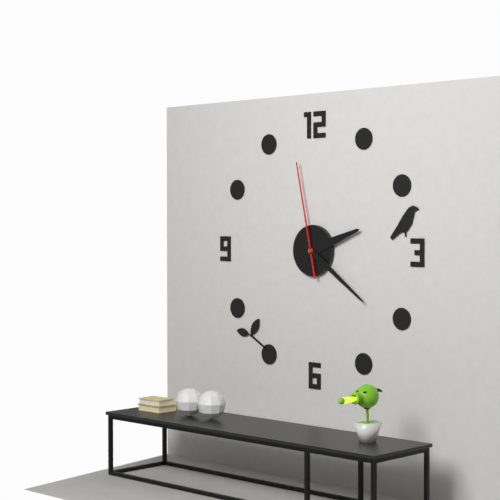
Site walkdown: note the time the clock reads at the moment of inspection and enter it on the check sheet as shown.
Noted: 2:21:58
